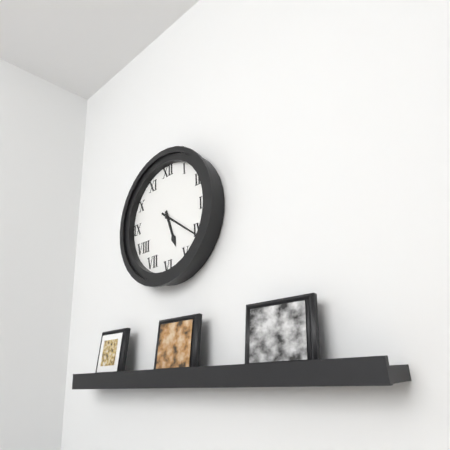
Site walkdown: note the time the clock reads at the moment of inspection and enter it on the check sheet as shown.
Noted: 5:21
